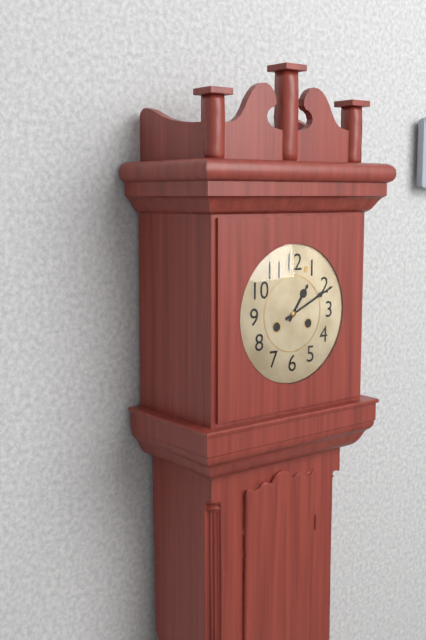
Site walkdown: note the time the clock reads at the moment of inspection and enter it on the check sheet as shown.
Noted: 1:11
